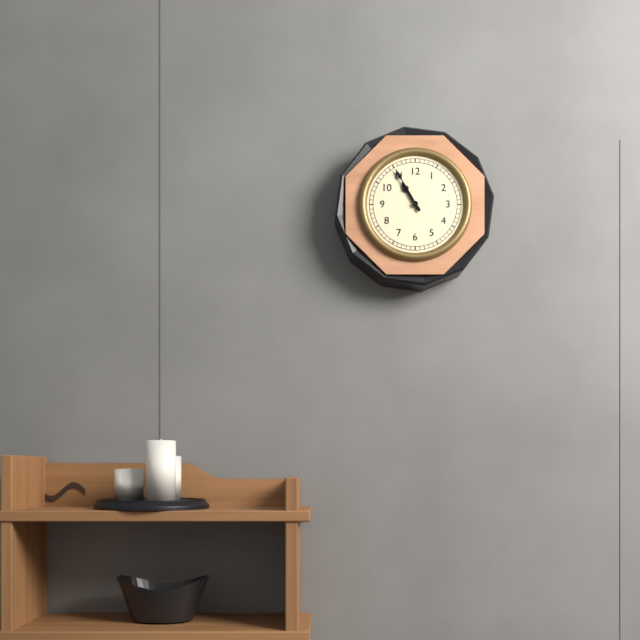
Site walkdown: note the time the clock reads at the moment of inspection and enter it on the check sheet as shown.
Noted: 10:55
